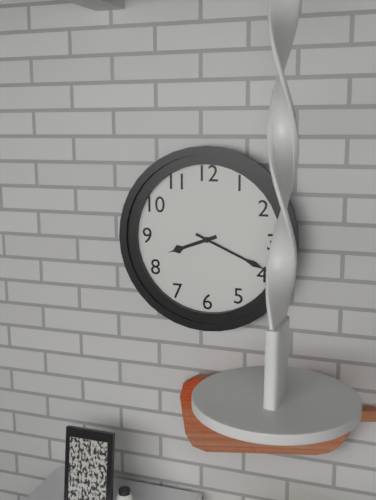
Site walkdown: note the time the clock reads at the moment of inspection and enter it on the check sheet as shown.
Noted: 8:19
